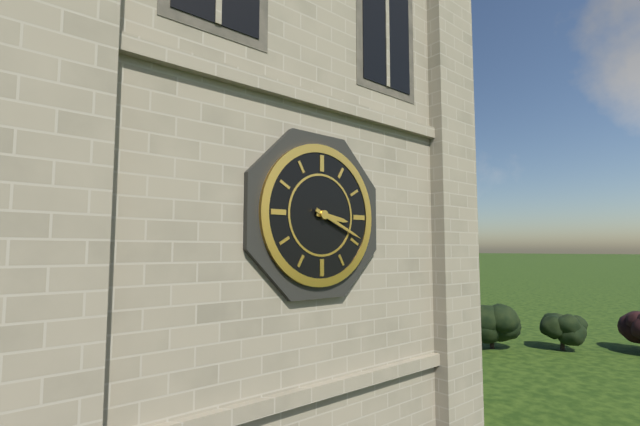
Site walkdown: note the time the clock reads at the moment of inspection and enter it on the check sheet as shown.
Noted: 3:19
